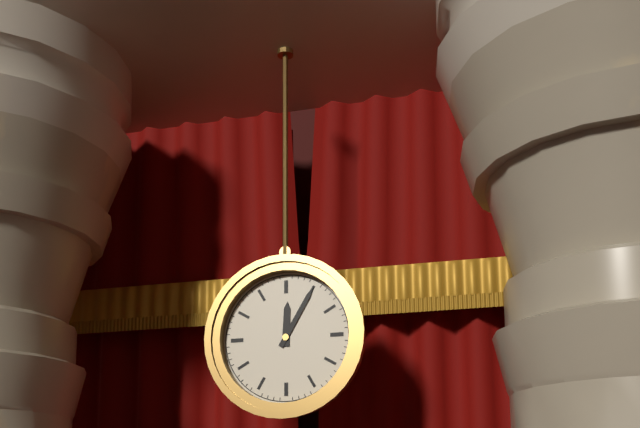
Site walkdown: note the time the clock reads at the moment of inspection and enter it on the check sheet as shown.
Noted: 12:05
